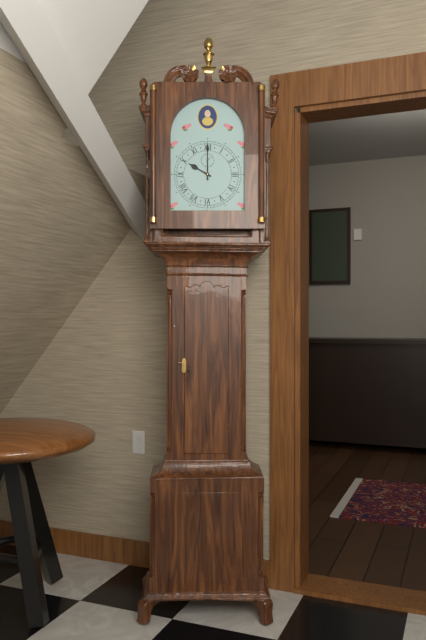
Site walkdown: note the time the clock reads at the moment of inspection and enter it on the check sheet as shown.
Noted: 10:00
